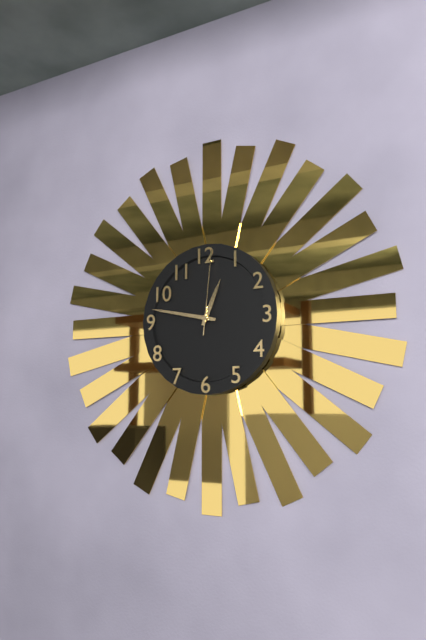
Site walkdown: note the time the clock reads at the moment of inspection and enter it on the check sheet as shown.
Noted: 12:47:01
